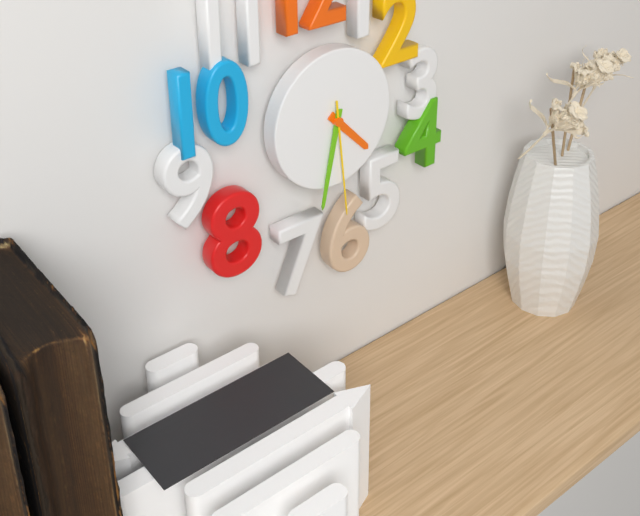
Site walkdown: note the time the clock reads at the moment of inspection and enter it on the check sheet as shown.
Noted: 4:32:29
